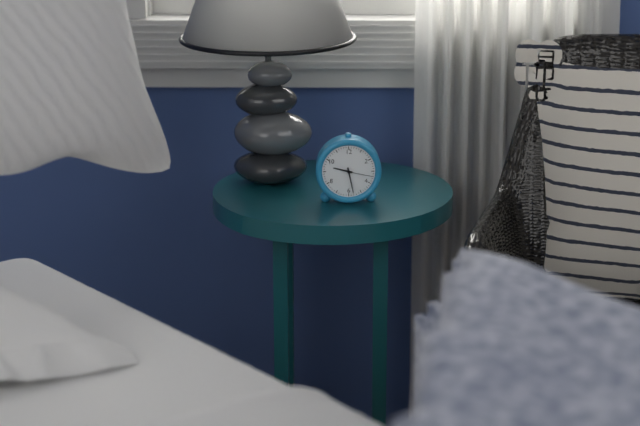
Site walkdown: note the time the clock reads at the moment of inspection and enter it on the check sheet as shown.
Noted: 9:28
